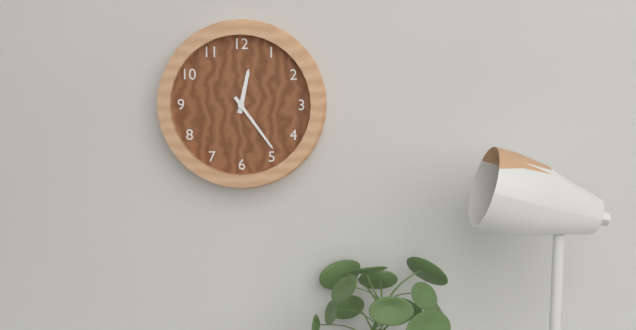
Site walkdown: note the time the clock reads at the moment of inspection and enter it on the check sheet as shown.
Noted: 12:24
